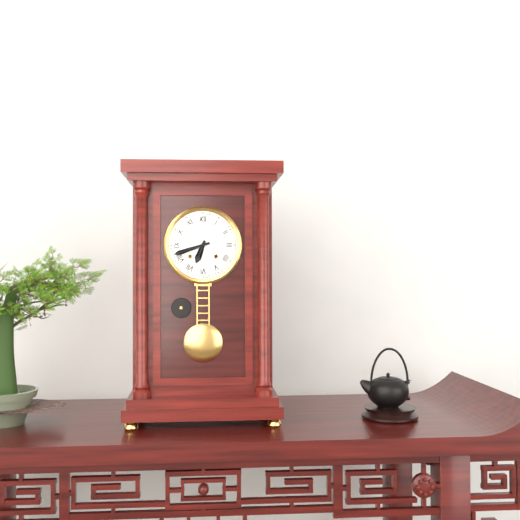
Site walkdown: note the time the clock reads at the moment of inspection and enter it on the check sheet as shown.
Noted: 6:42
